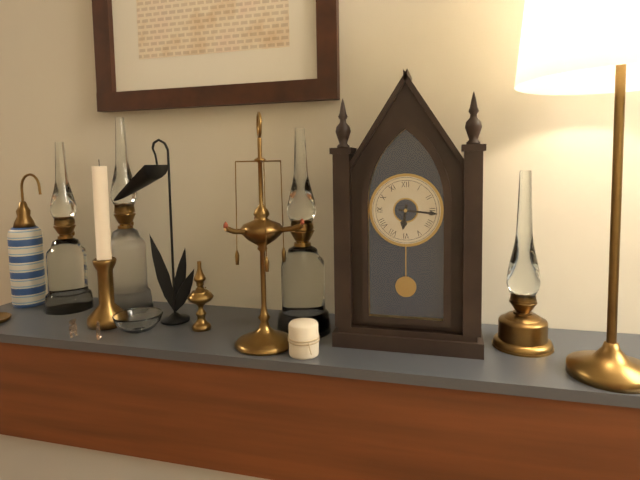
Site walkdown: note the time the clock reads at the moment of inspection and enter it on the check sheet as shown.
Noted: 6:16
